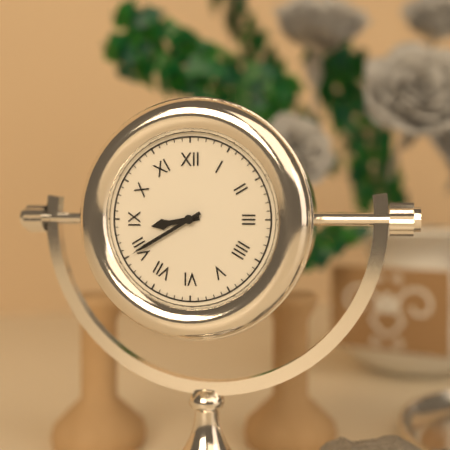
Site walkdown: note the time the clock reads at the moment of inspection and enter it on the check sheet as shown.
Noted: 8:40
